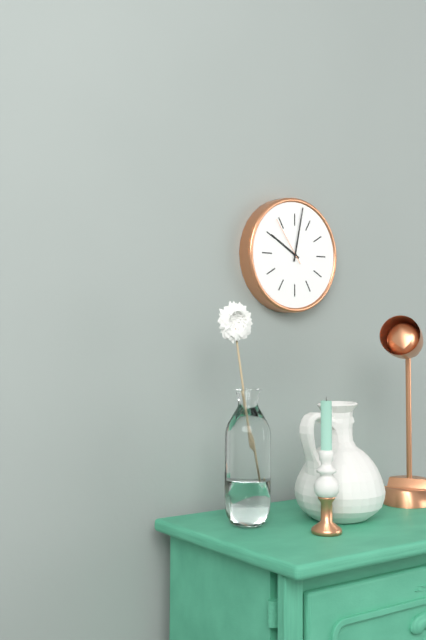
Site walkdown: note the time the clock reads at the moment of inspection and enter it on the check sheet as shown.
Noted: 10:02
